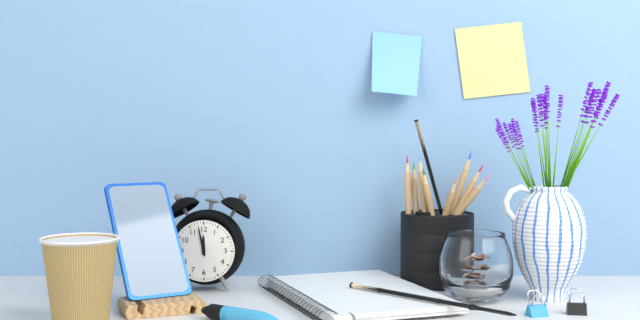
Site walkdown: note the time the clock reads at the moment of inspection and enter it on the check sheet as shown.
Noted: 11:58
